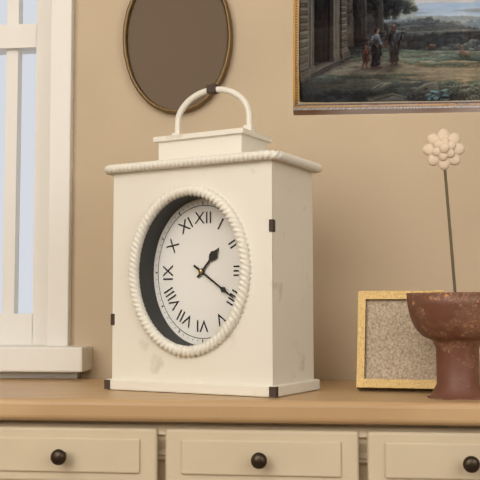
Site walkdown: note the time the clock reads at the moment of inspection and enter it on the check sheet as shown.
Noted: 1:21
